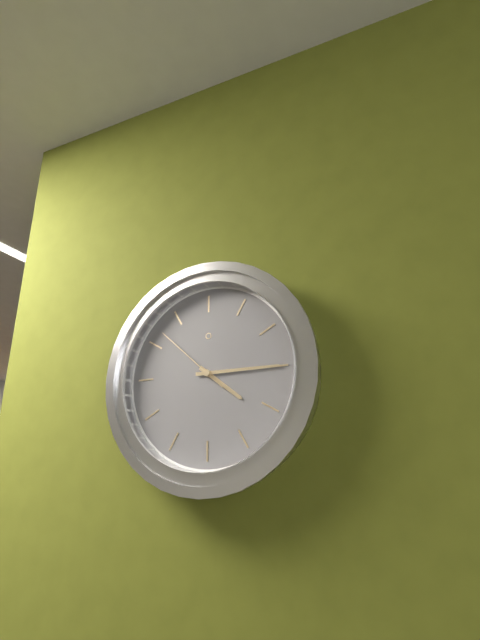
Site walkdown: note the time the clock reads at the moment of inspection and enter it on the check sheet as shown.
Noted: 4:15:52
